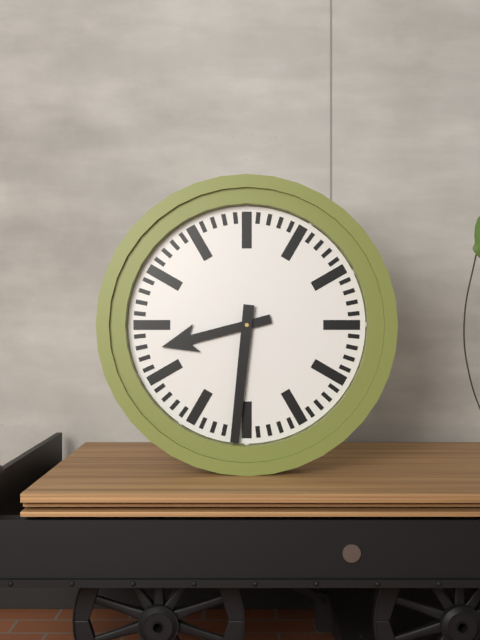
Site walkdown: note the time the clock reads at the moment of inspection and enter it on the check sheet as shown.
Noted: 8:31
